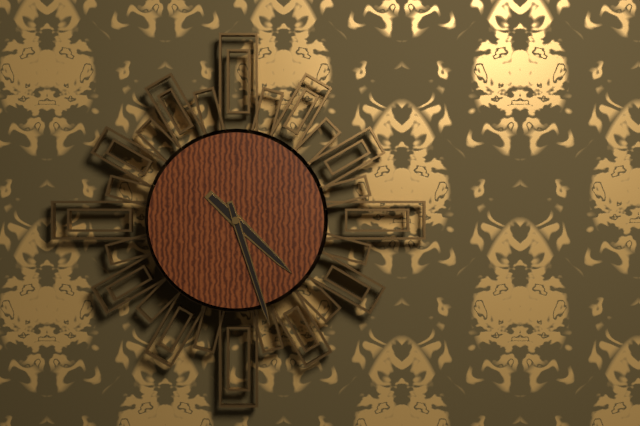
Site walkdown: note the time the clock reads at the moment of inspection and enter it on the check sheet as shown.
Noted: 4:27
